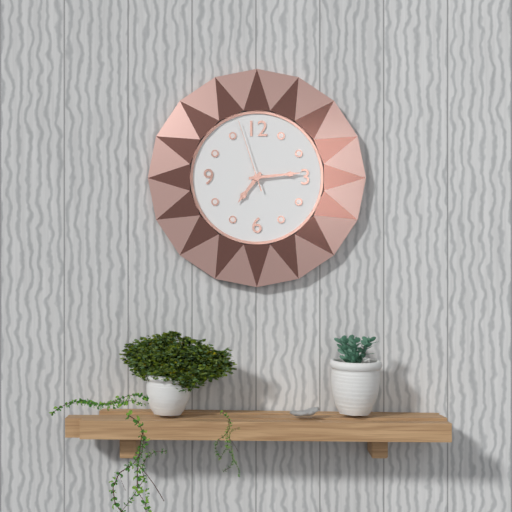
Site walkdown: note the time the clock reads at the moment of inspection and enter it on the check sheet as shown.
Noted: 7:14:57
